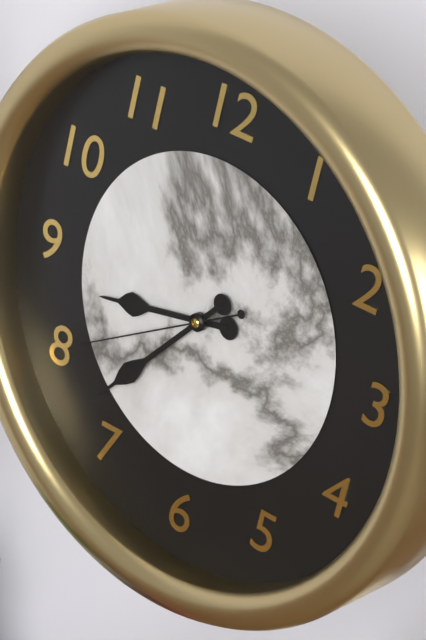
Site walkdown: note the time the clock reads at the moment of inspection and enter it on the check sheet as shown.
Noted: 8:37:40
